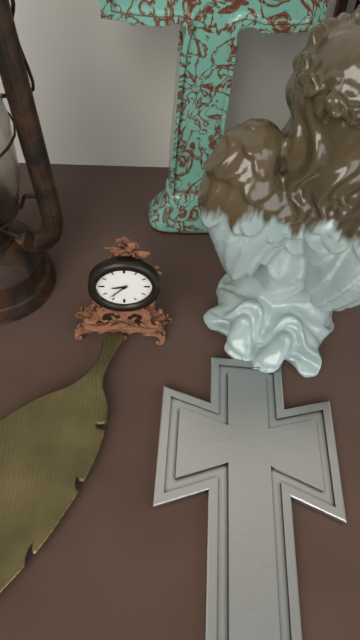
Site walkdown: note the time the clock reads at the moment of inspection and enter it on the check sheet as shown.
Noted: 8:37
